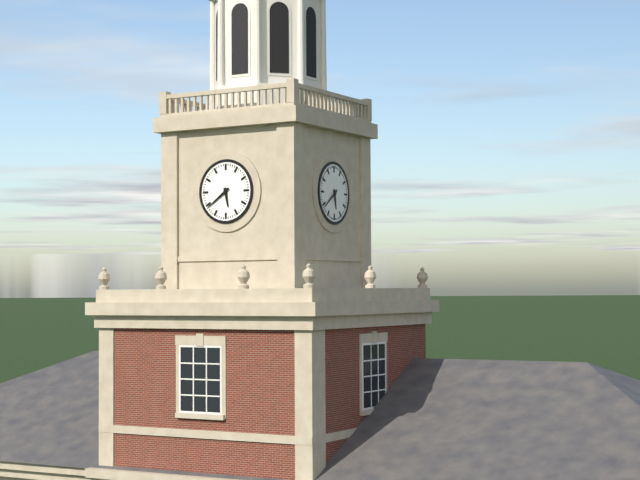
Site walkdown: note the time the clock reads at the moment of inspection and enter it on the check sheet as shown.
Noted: 5:39
